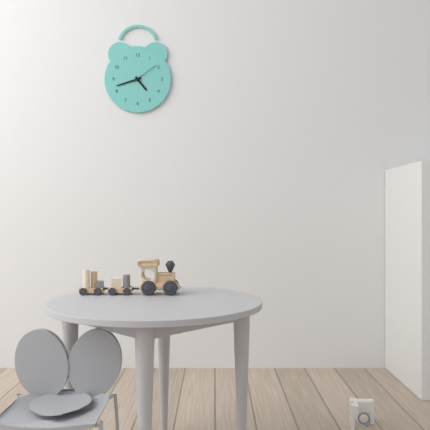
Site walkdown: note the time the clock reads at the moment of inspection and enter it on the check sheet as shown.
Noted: 4:42
